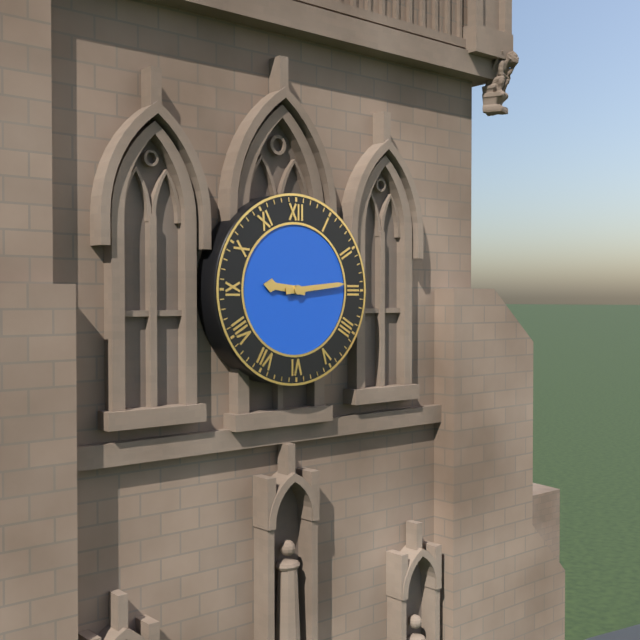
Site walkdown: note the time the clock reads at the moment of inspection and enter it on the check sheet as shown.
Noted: 9:14
